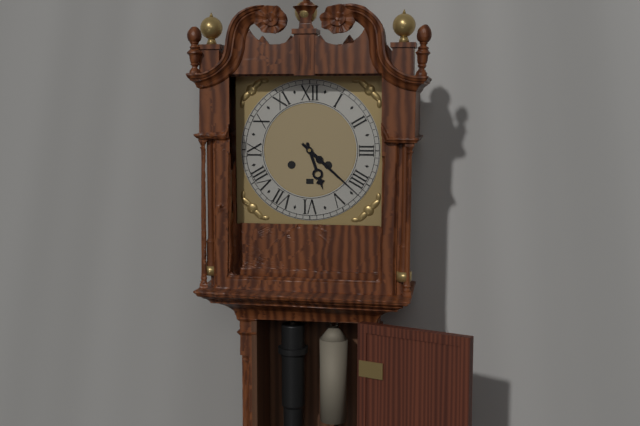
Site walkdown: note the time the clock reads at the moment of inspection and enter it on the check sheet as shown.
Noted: 5:22
